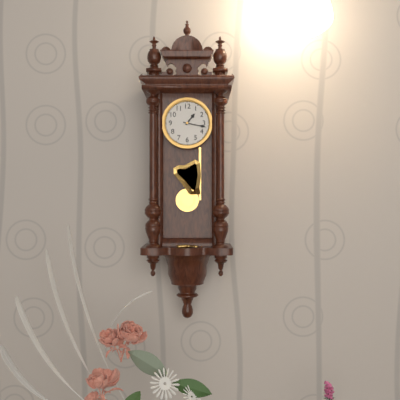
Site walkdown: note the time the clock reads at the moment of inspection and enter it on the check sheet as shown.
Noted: 1:17
